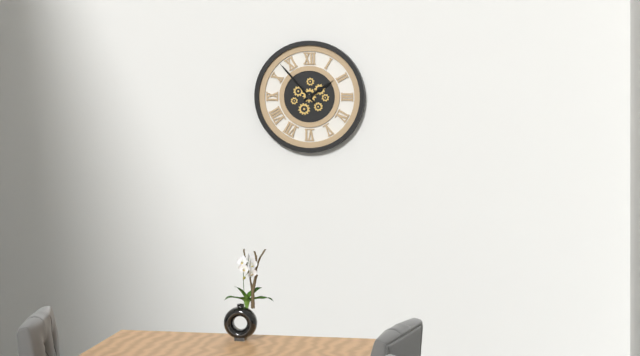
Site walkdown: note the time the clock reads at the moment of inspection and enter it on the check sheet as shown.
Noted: 1:53
